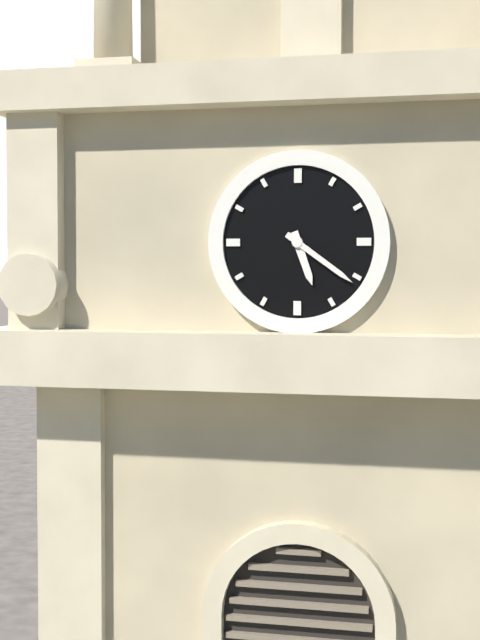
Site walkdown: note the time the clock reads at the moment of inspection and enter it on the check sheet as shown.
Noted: 5:21
